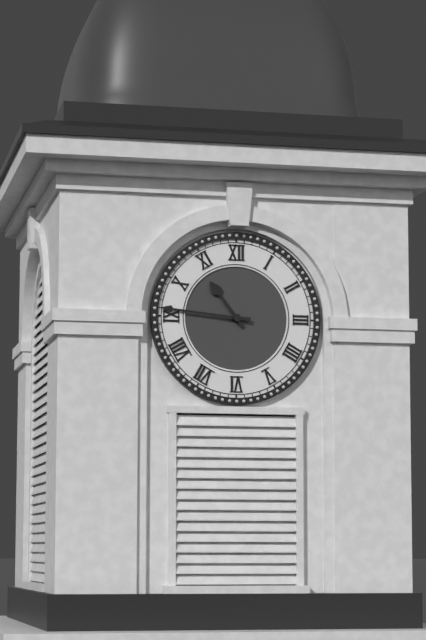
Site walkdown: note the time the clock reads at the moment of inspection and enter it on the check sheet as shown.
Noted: 10:46
